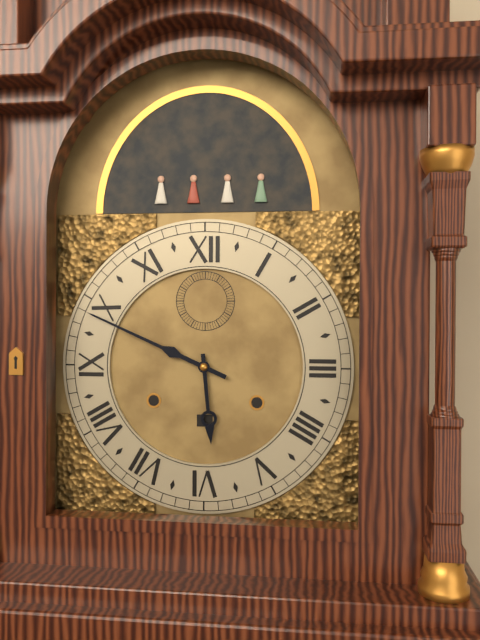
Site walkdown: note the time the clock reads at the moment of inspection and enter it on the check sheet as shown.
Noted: 5:49
